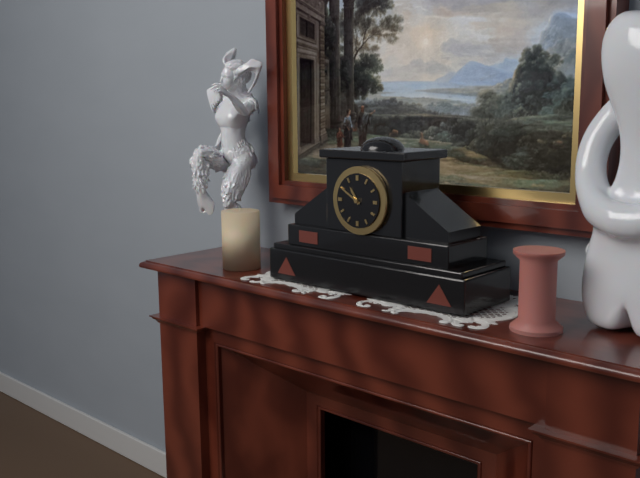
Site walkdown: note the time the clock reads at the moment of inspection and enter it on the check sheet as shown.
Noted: 10:50
